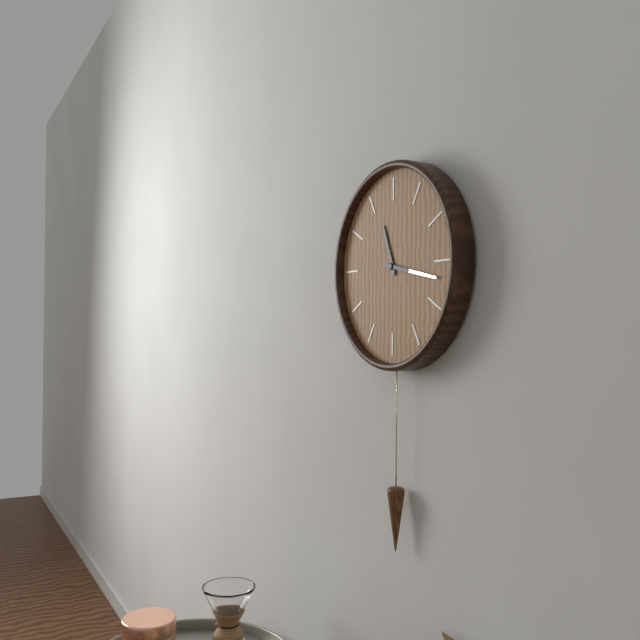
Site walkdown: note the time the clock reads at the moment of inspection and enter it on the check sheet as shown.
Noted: 11:17
